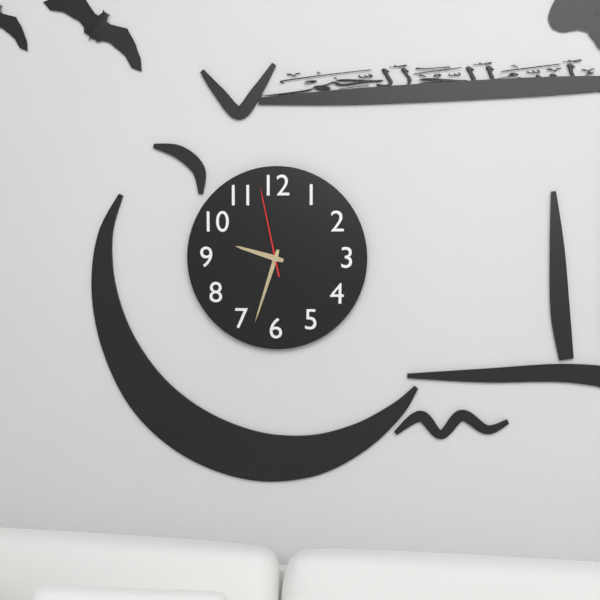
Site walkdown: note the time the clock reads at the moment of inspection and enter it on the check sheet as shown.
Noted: 9:33:58
